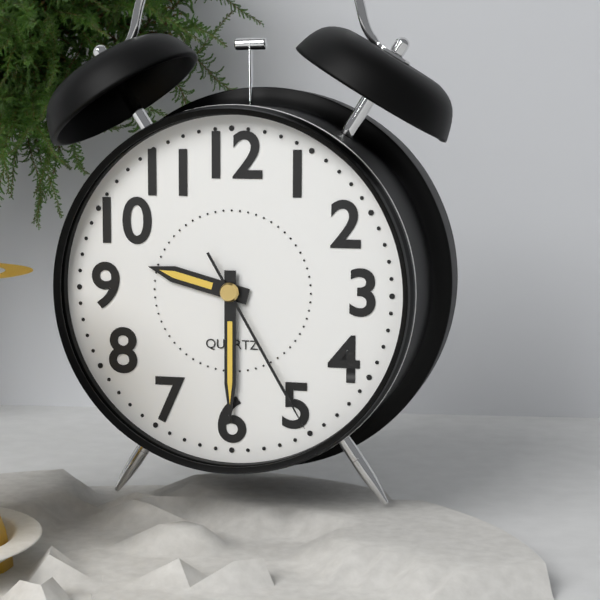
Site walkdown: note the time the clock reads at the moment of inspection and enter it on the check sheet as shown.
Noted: 9:30:25
